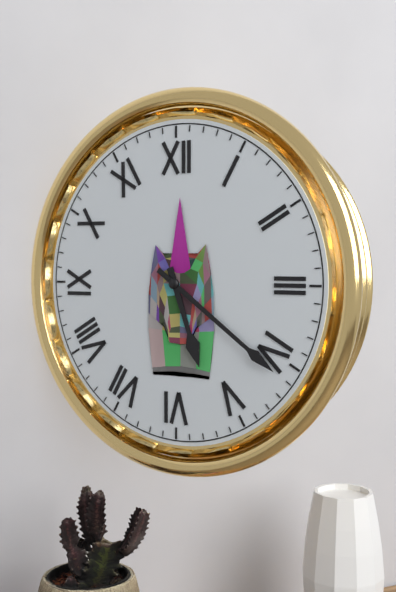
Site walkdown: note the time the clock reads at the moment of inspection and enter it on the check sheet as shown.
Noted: 5:21
